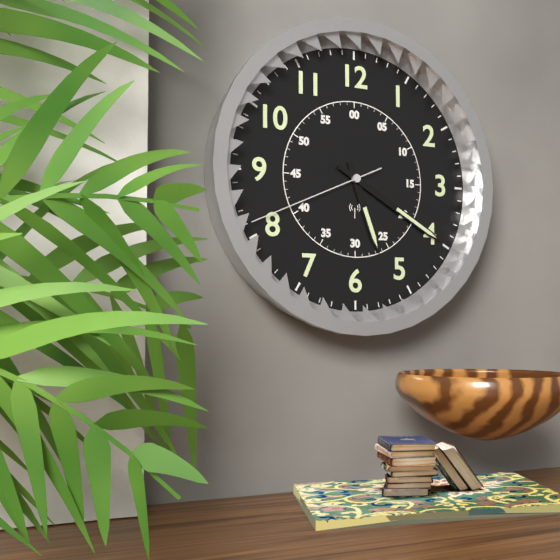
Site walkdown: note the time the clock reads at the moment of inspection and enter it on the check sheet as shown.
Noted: 5:20:41
